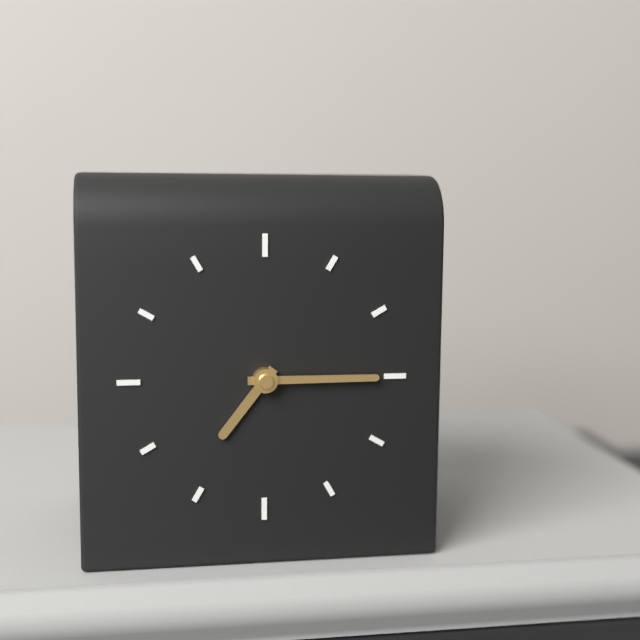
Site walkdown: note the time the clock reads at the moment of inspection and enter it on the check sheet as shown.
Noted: 7:15
